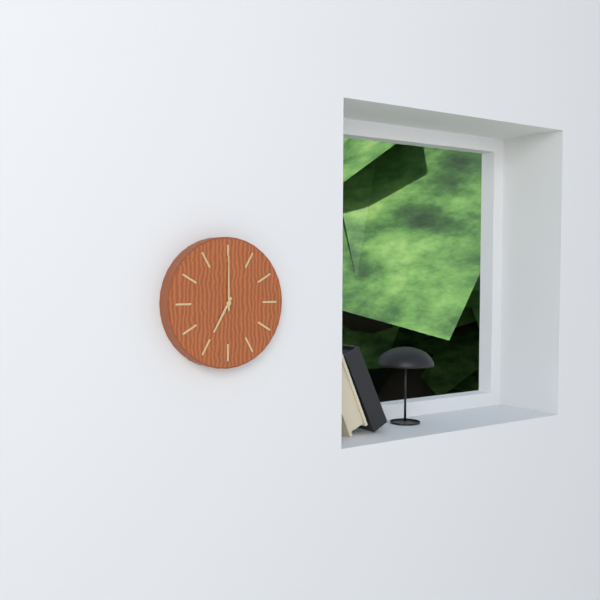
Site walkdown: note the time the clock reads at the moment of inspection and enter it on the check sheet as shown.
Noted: 7:00
